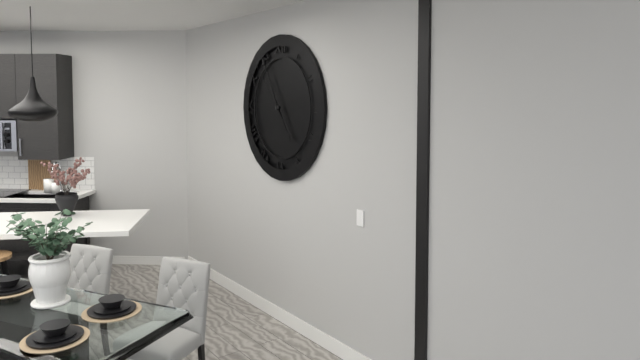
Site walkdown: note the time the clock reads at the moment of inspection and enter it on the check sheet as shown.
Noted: 4:55:53
